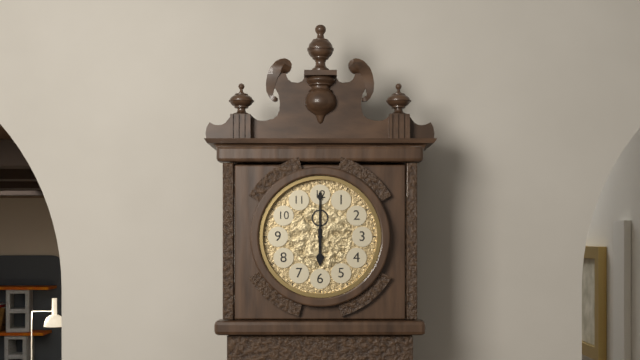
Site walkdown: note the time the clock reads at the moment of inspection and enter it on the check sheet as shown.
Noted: 6:00
